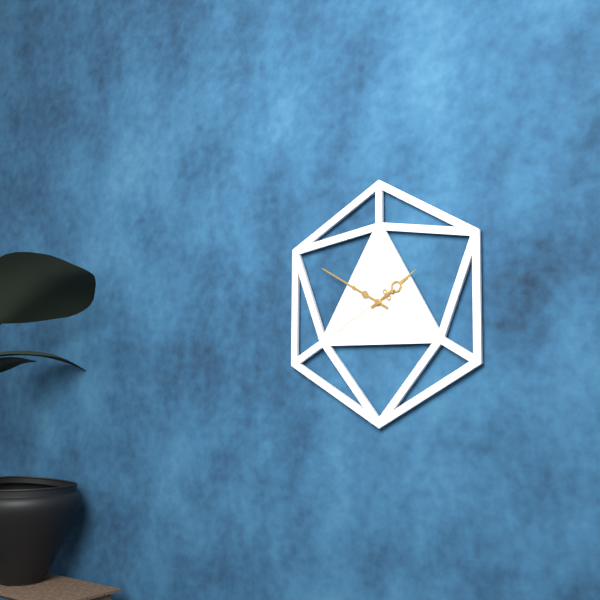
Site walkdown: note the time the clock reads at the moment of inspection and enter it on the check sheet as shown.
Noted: 1:50:40
